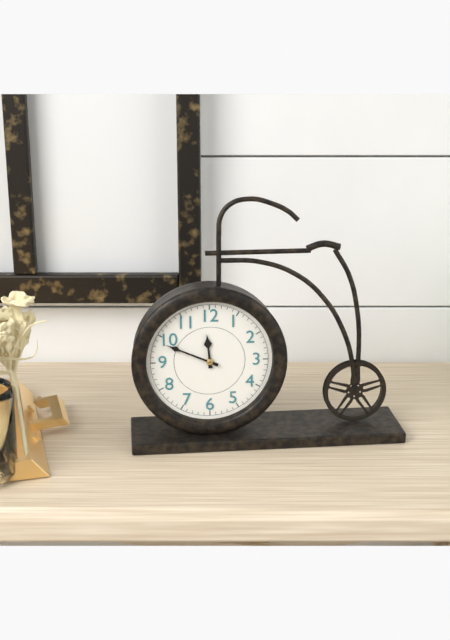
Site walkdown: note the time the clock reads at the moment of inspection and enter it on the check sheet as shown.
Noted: 11:49
